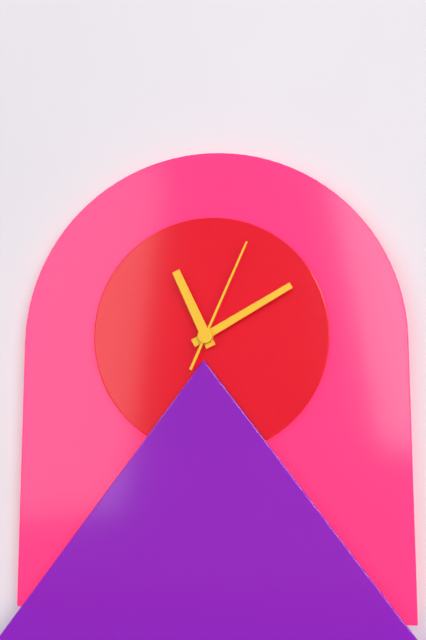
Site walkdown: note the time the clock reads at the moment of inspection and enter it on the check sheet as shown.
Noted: 11:10:04
